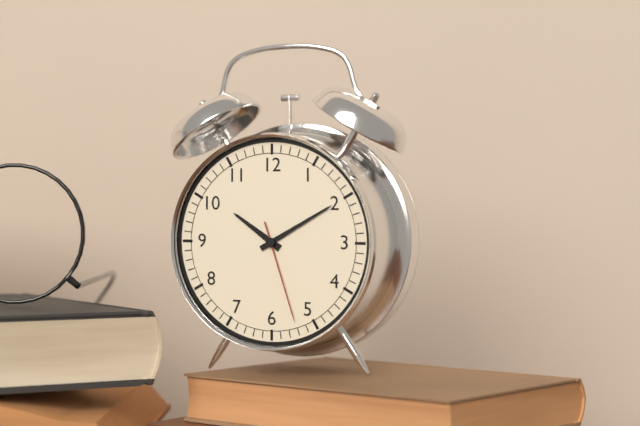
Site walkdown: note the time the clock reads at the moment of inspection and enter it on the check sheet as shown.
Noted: 10:10:27
